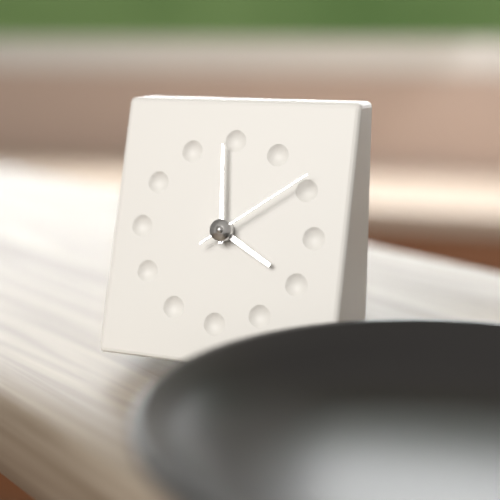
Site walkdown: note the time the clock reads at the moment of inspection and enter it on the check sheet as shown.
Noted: 3:59:09
